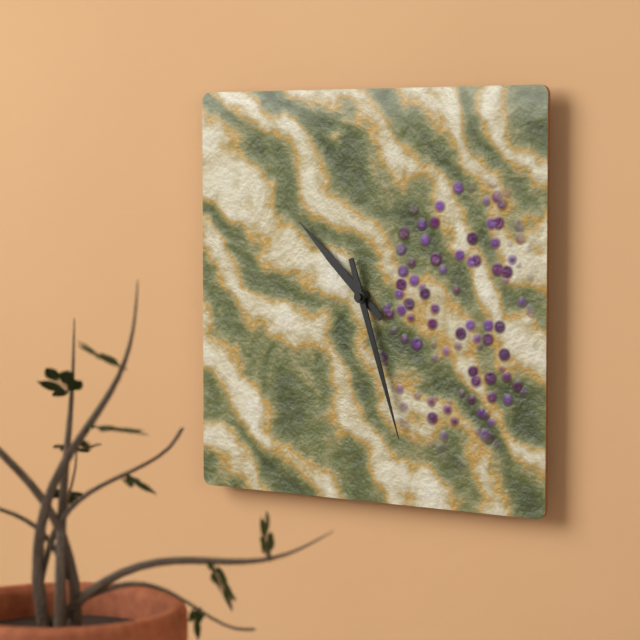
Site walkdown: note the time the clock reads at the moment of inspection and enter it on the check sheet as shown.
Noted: 10:27
